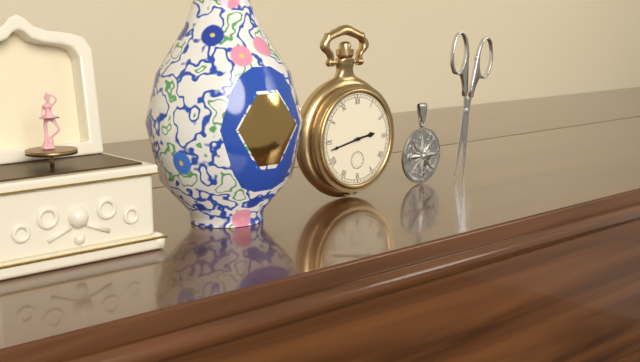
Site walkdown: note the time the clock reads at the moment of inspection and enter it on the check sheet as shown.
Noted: 2:43
